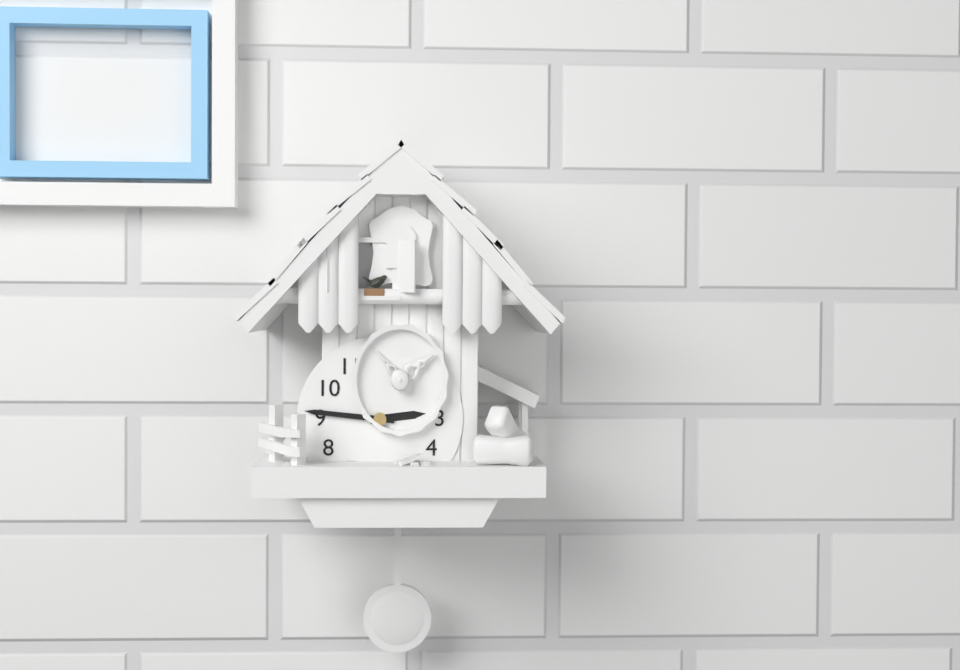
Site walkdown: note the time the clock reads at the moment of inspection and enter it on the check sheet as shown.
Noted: 2:46
